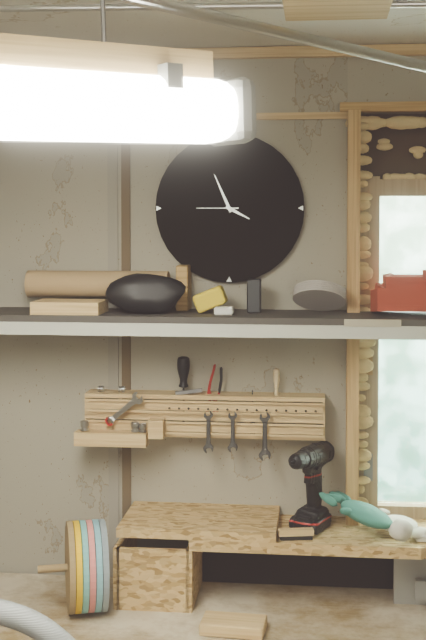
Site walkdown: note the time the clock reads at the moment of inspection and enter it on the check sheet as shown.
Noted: 3:56
